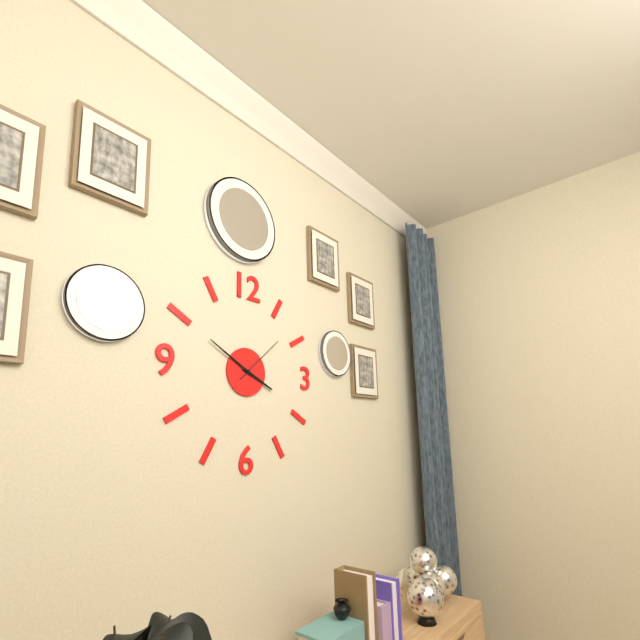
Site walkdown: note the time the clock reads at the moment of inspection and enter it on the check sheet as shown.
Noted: 3:50:08
